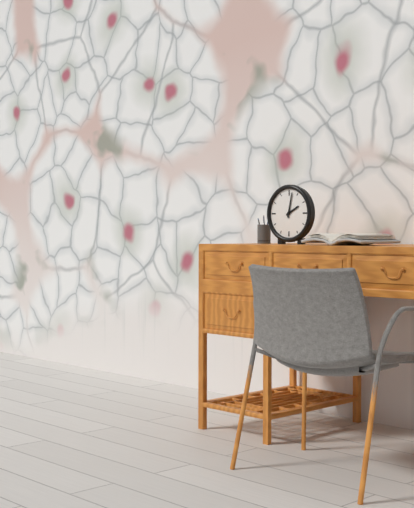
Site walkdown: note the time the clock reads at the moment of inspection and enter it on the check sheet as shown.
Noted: 2:02
